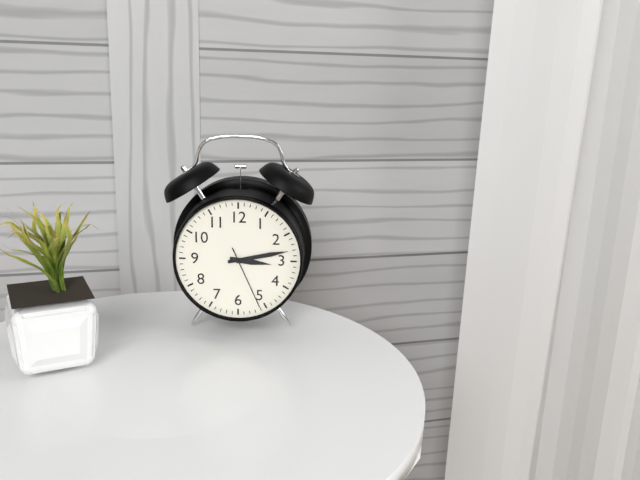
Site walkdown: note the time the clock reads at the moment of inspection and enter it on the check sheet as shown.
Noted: 3:13:26
